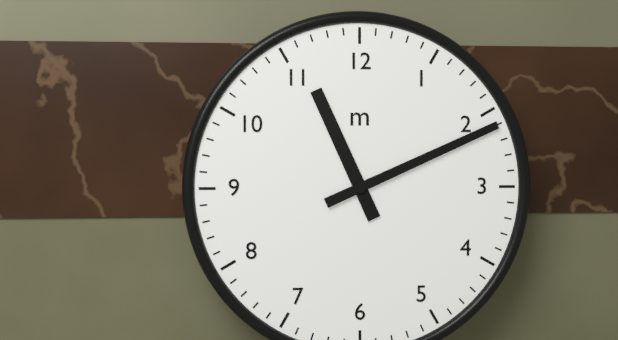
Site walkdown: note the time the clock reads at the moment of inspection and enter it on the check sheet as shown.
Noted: 11:11
